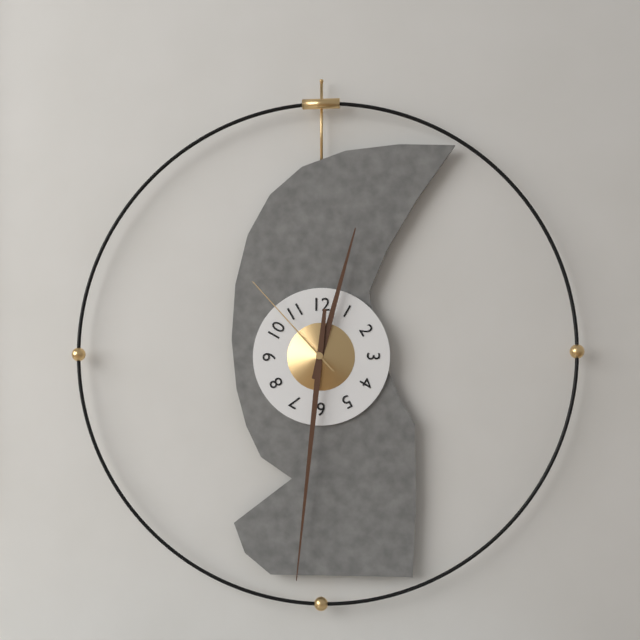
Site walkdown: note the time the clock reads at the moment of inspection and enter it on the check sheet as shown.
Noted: 12:31:53
